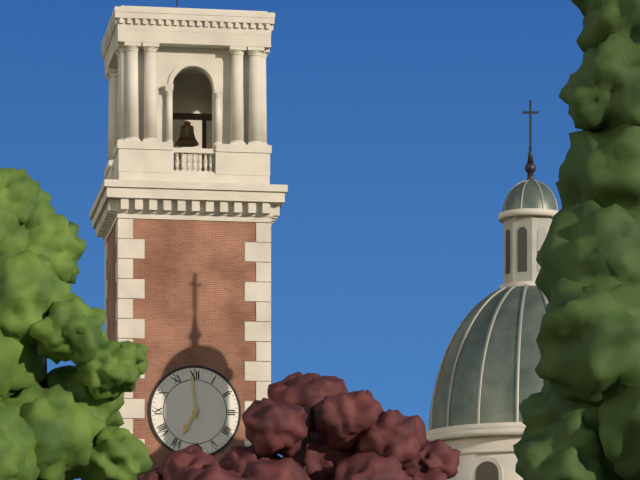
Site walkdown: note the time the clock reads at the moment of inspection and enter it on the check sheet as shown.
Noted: 6:59
